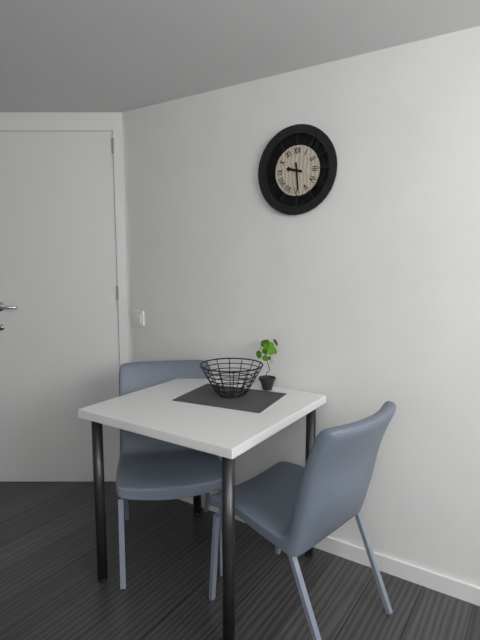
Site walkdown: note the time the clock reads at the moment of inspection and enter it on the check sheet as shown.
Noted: 9:29
